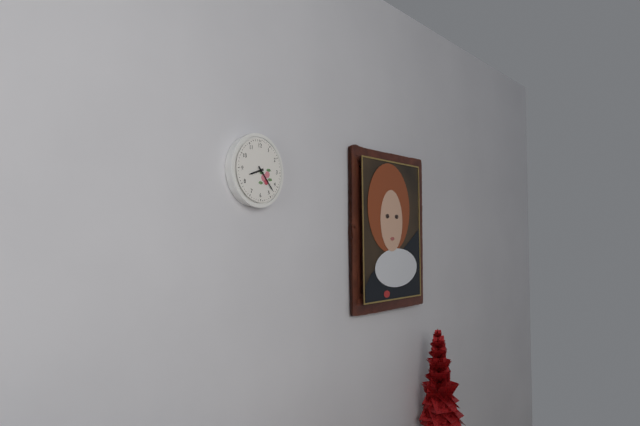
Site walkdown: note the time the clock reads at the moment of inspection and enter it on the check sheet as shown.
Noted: 8:23
